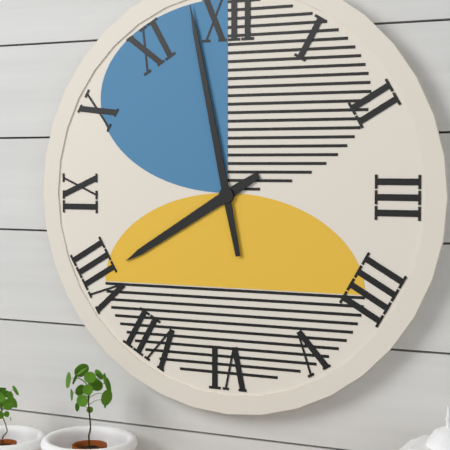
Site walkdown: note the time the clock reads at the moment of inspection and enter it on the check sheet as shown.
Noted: 7:58
